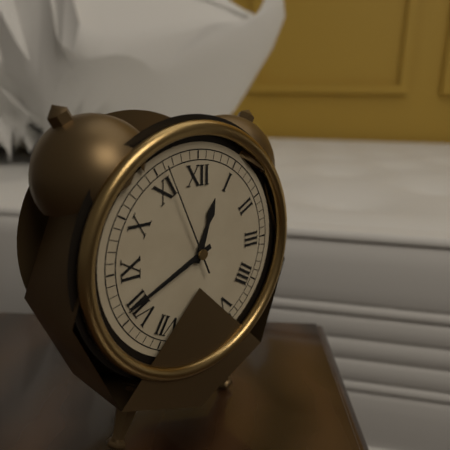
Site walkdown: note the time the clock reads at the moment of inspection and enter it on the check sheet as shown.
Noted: 12:41:56
